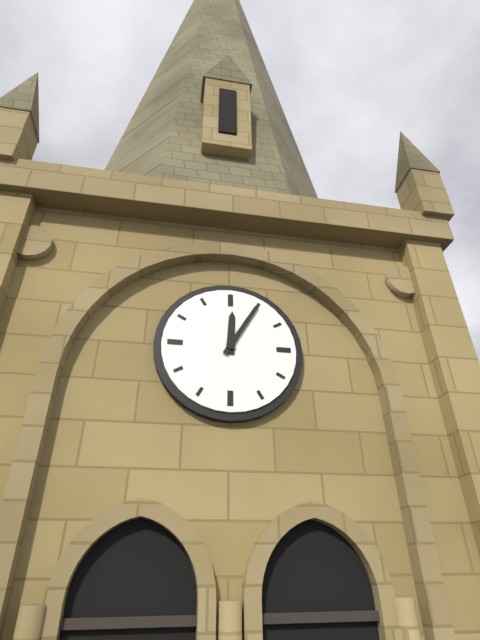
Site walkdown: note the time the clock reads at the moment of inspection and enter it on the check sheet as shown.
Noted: 12:05
